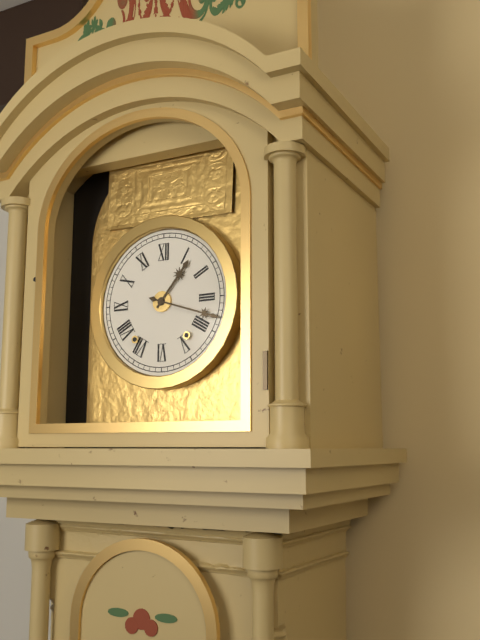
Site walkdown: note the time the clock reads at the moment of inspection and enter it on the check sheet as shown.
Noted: 1:18
